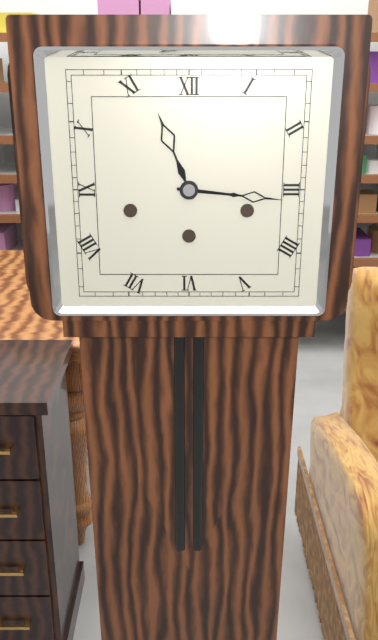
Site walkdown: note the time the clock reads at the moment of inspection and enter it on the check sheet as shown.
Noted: 11:16
